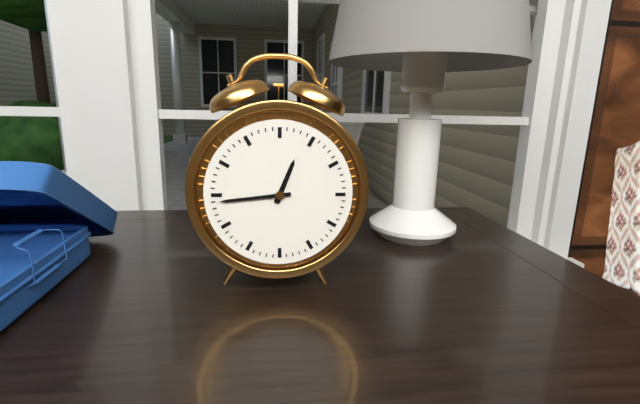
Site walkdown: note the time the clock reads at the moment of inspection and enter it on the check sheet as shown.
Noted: 12:44
